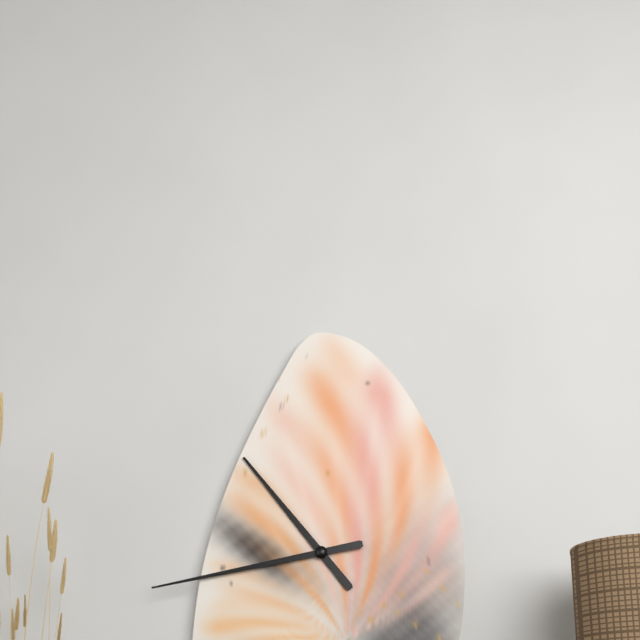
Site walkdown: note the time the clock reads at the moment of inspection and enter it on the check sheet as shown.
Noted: 10:43
